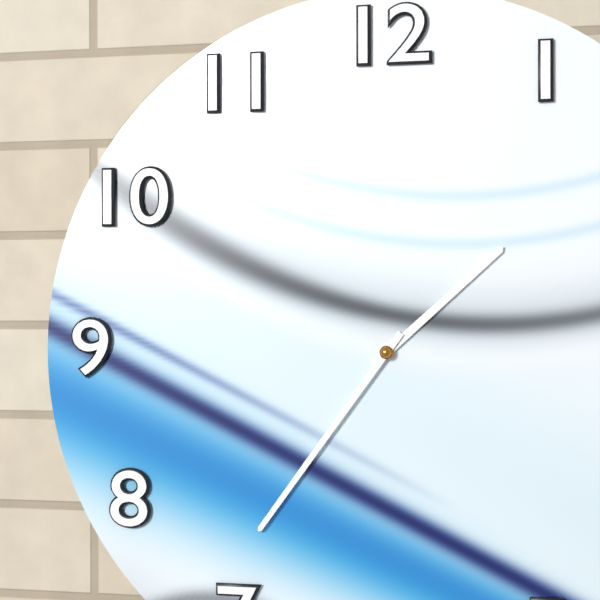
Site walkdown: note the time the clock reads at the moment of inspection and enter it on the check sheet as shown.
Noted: 1:36
